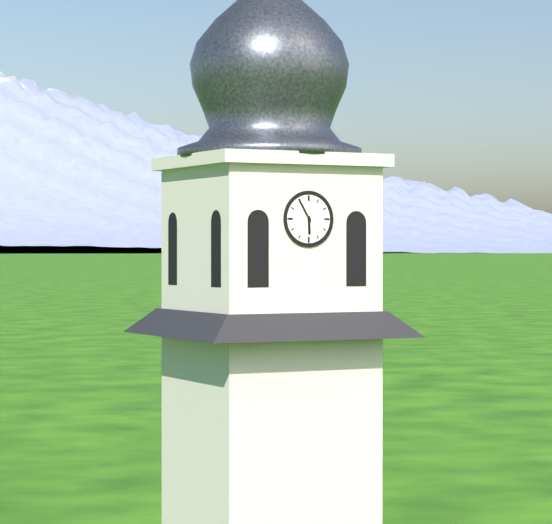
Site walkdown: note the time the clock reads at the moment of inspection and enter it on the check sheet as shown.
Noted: 5:55
